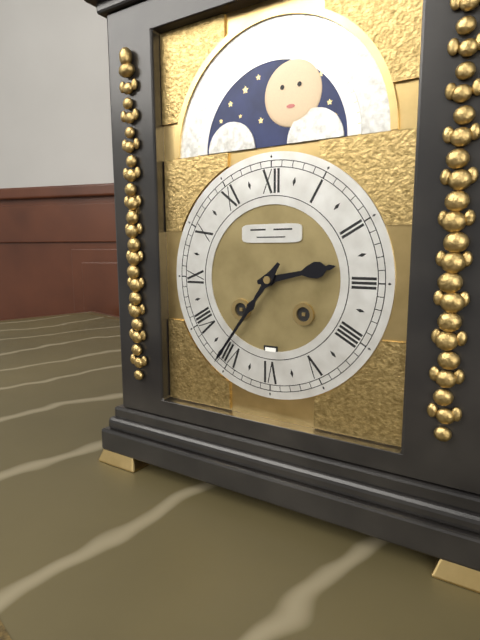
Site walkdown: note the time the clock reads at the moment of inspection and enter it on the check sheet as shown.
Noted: 2:36
